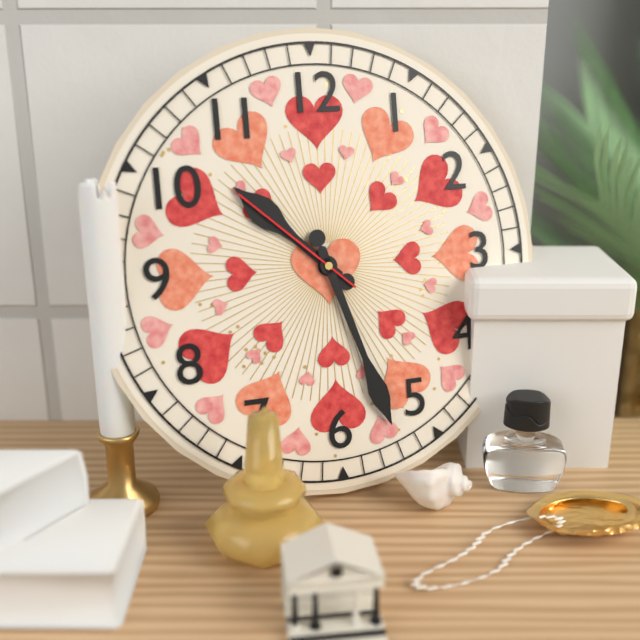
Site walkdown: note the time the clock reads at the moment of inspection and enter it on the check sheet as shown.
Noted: 10:27:52
